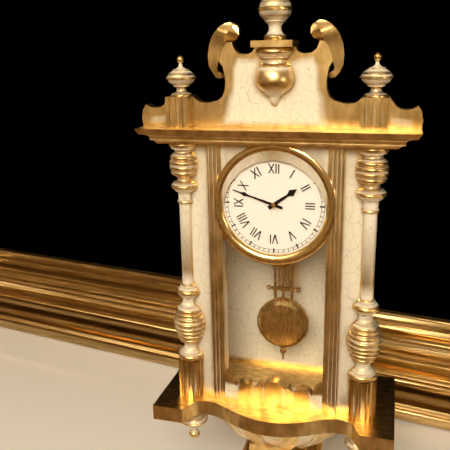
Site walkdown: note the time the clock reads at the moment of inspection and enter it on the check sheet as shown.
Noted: 1:48
